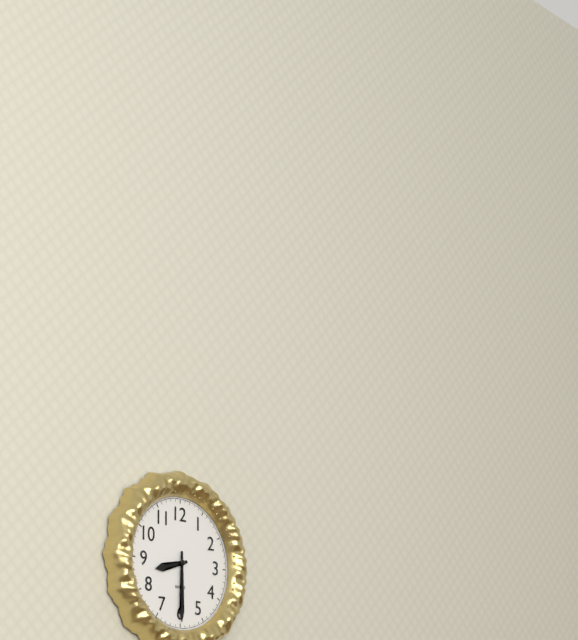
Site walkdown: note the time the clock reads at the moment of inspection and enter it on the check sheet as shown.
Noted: 8:30
